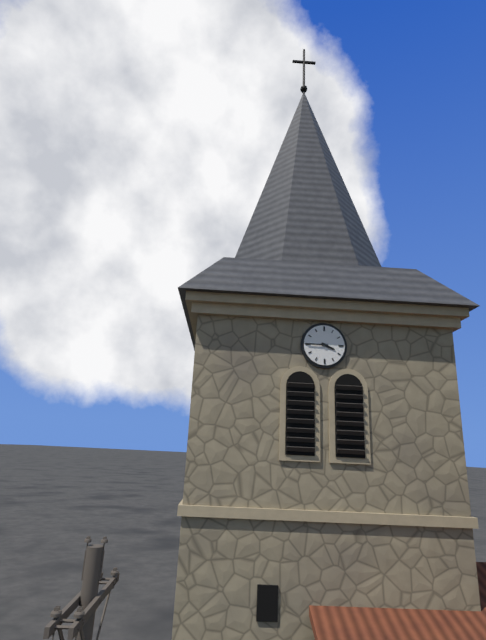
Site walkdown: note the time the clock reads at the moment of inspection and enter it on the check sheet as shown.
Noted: 3:45
